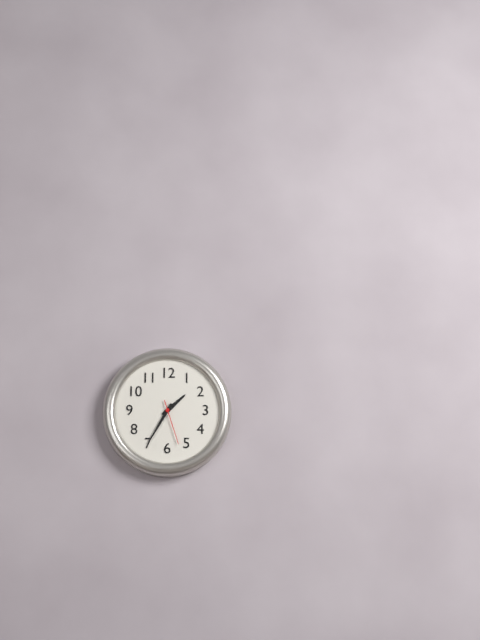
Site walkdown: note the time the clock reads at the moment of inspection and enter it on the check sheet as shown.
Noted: 1:35
